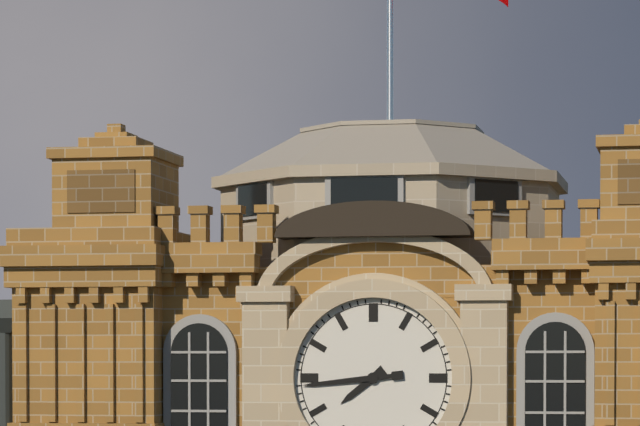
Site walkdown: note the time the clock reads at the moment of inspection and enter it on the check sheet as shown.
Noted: 7:44
